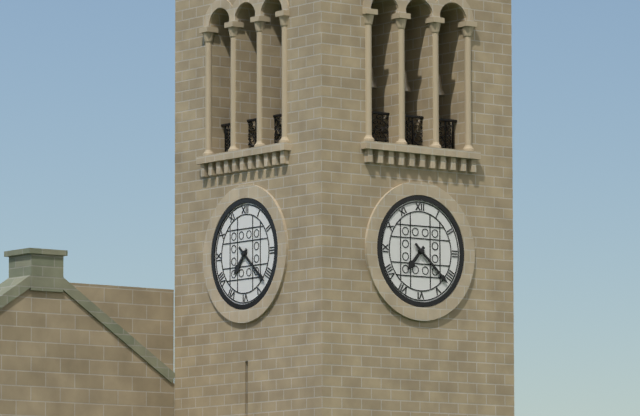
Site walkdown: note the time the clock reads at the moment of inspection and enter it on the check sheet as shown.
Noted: 7:22
